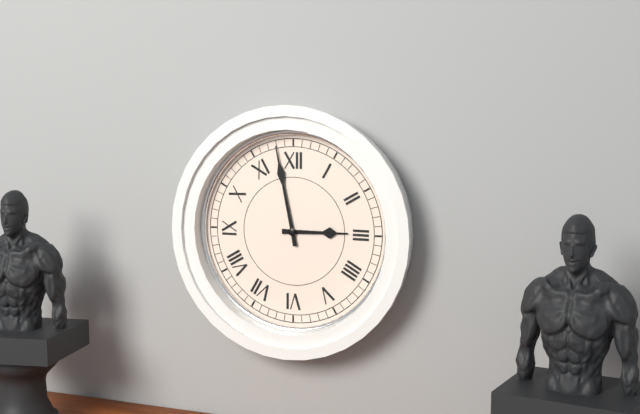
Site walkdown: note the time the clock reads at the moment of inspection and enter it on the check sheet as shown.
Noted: 2:58
